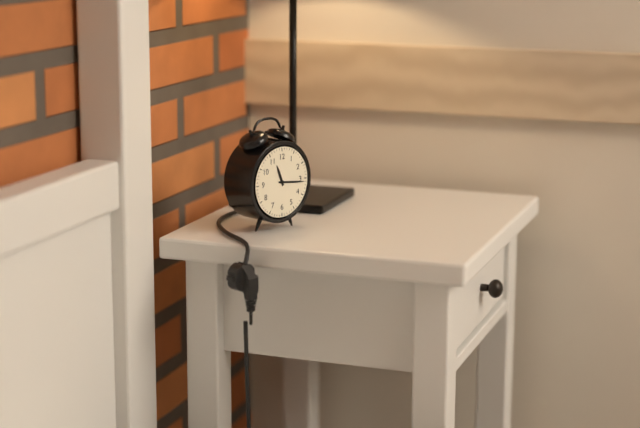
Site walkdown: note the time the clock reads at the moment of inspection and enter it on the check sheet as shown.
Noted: 11:16
